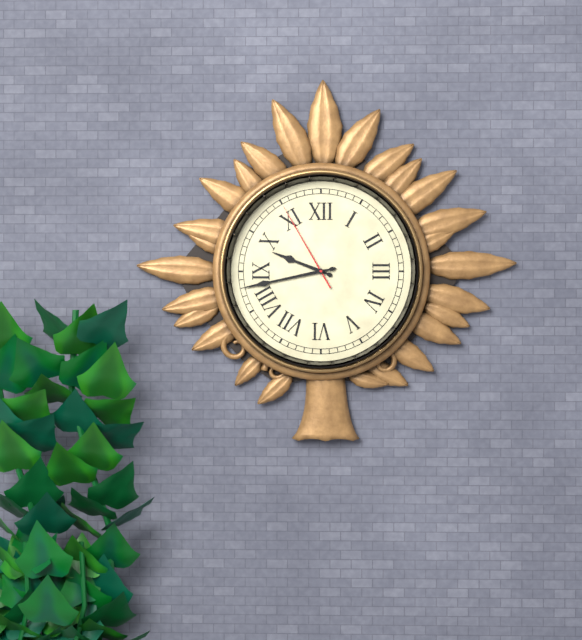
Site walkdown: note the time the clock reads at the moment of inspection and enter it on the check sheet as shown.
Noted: 9:43:55
